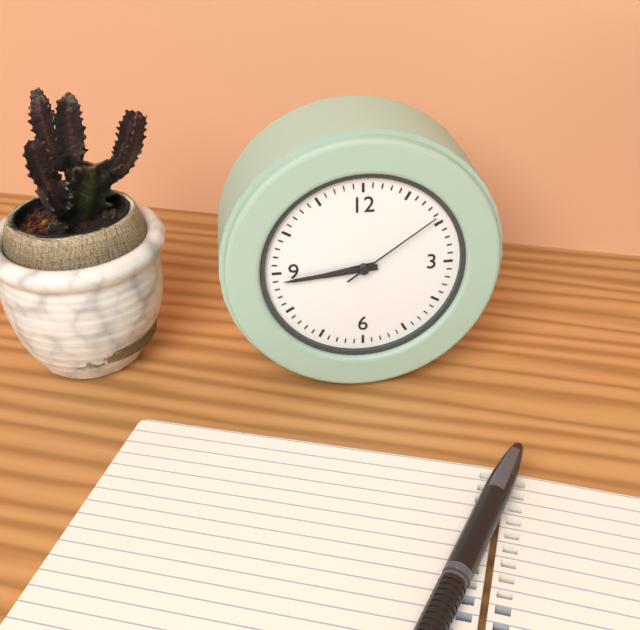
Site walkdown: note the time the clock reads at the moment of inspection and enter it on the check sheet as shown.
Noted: 8:44:09
